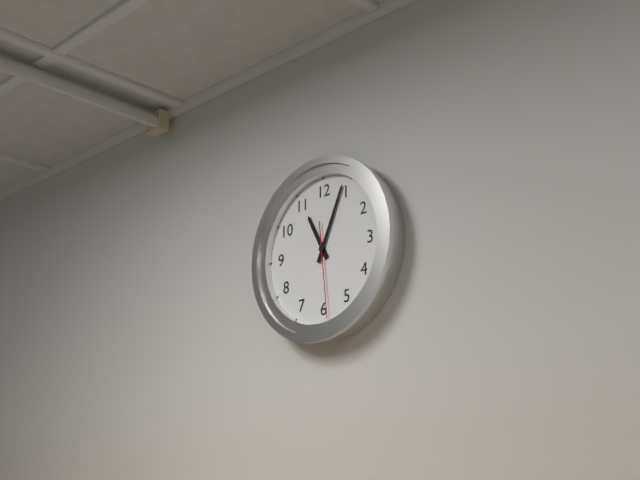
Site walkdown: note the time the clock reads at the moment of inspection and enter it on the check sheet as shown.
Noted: 11:04:29
